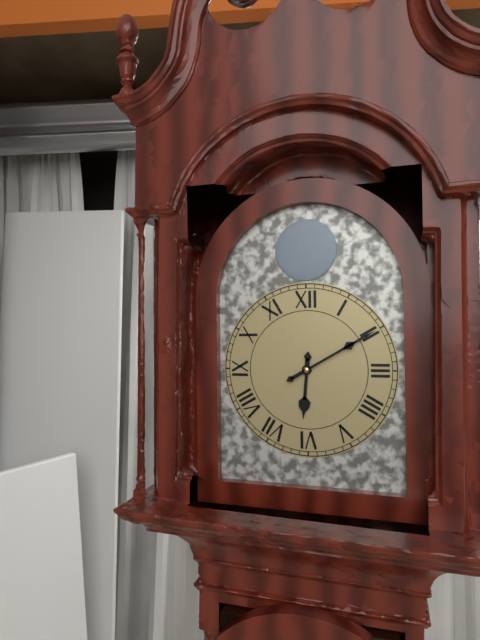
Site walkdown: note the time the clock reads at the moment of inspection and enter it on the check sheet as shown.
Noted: 6:10
